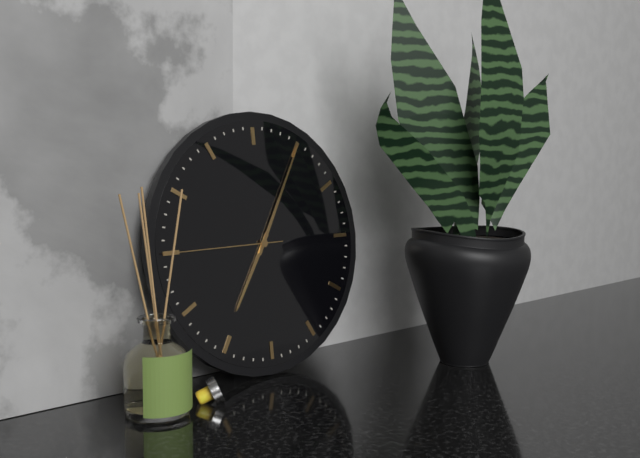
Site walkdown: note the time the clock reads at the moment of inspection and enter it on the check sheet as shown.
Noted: 7:05:45
